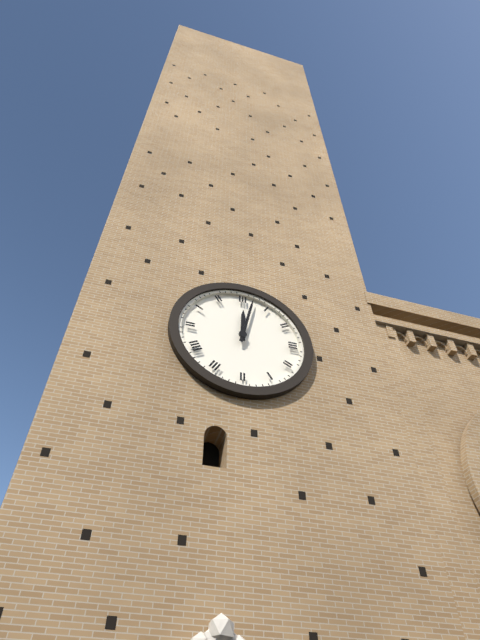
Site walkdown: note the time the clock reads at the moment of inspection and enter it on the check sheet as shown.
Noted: 12:02
